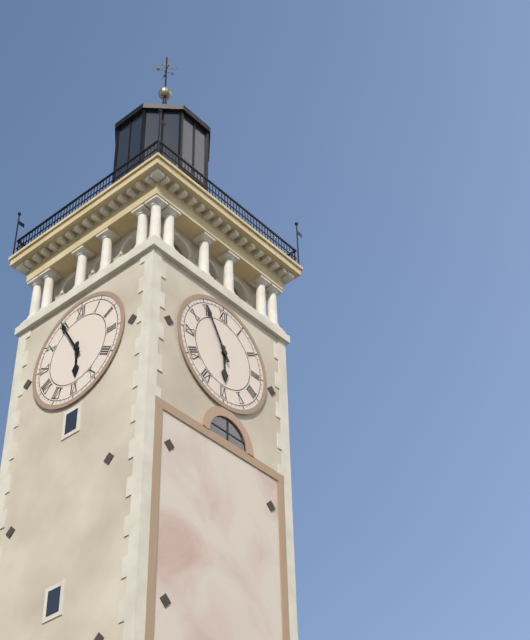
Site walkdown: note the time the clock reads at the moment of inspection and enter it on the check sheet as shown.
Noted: 5:55
